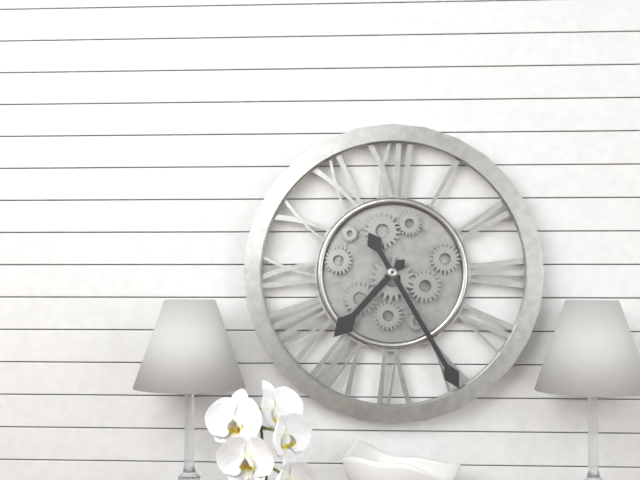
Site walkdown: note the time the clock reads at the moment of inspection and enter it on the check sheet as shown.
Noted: 7:25
